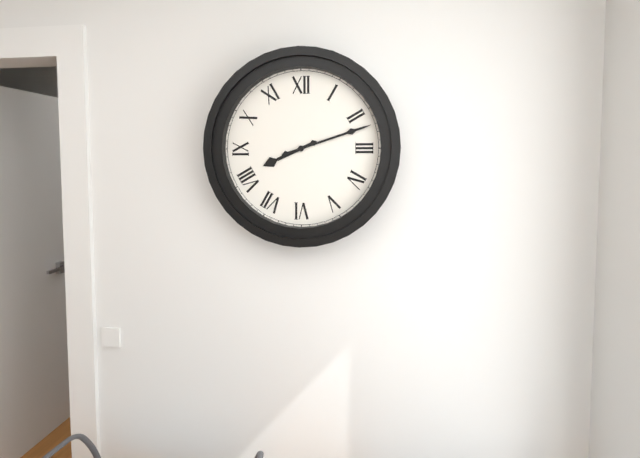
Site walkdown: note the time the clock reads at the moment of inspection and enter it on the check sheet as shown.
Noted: 8:12
